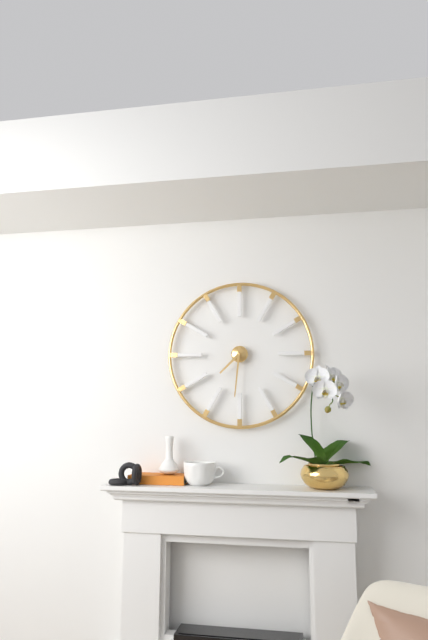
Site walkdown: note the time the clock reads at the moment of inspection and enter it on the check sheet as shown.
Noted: 7:31
